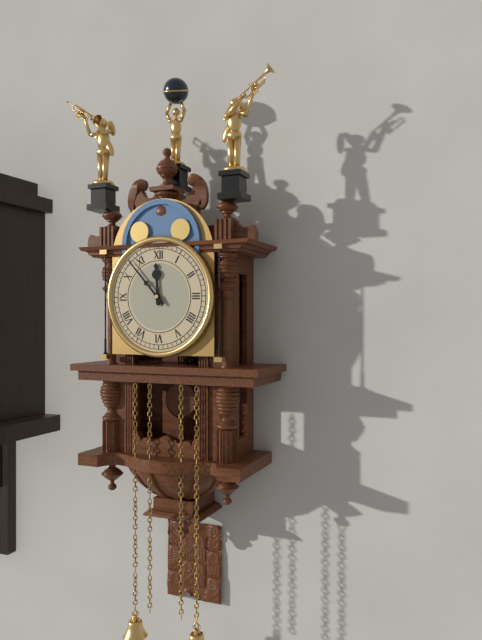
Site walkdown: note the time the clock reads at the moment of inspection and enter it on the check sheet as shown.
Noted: 11:53
